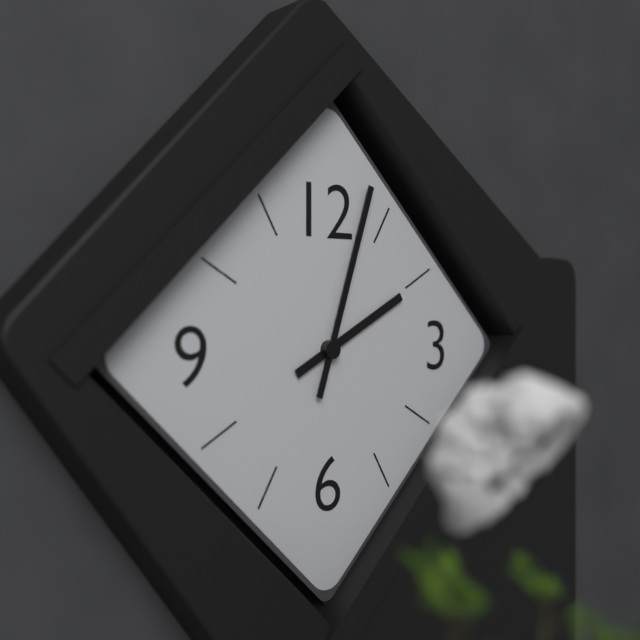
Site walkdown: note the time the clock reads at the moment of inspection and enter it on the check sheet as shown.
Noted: 2:03
